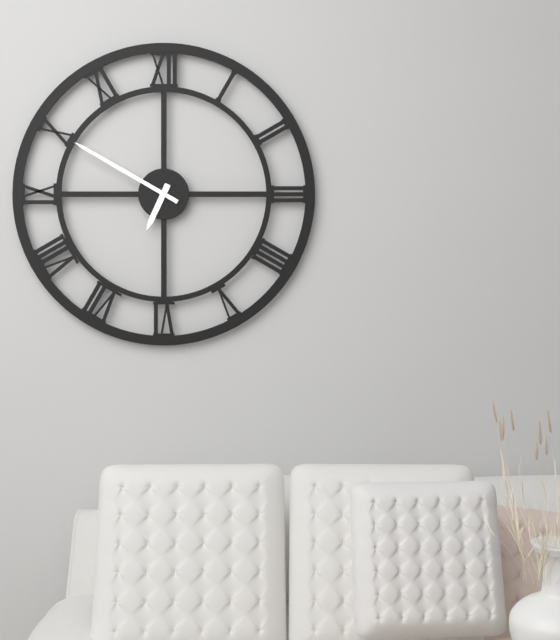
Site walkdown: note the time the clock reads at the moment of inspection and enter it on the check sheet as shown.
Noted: 6:50
